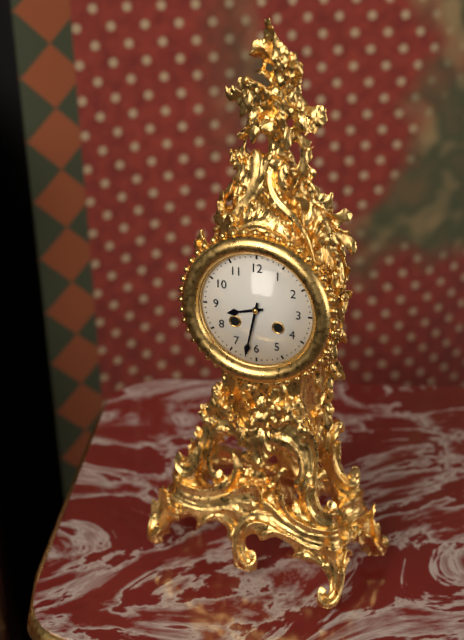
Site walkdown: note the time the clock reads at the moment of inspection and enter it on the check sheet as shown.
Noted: 8:32
